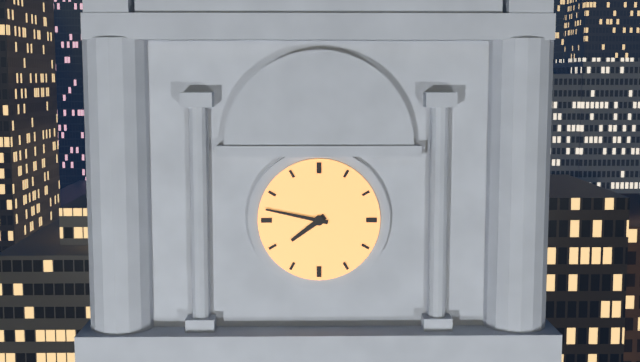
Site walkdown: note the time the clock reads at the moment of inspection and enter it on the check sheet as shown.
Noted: 7:47
